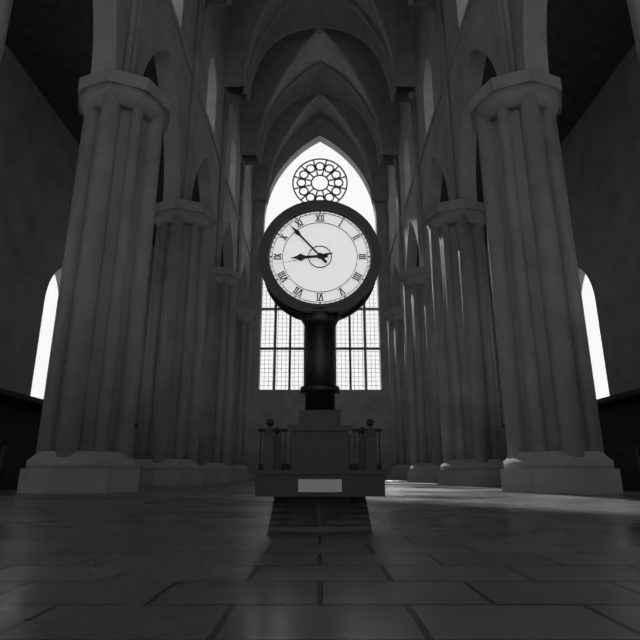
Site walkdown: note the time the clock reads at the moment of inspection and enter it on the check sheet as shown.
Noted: 8:53:43
